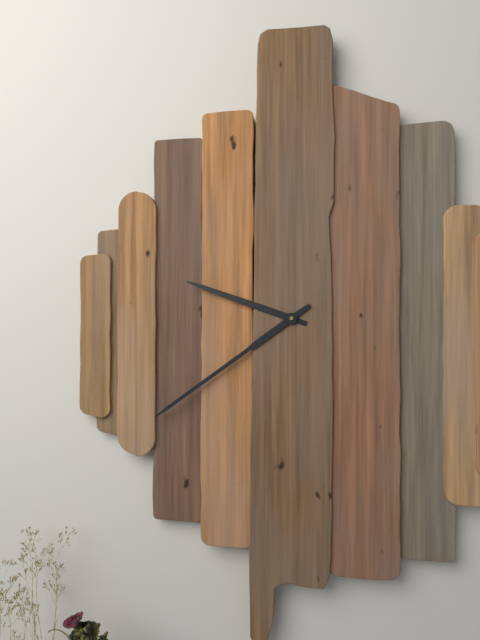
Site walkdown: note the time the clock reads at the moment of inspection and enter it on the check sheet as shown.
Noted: 9:39
